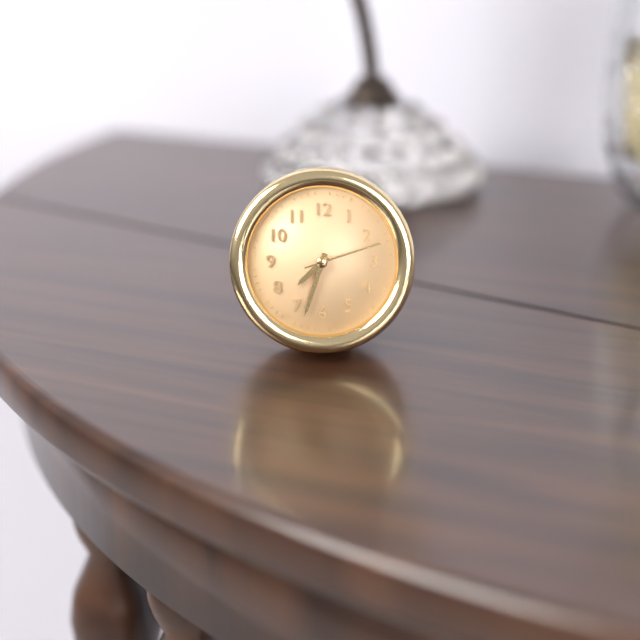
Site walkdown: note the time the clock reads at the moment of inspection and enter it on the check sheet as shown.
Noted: 7:33:12
